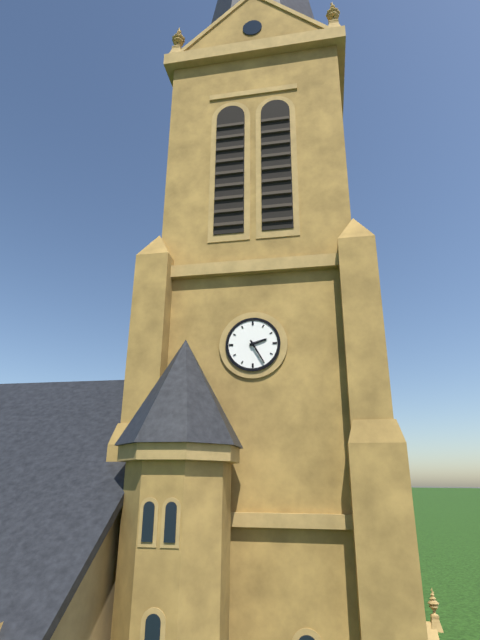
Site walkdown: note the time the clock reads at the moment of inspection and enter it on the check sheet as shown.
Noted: 2:25
